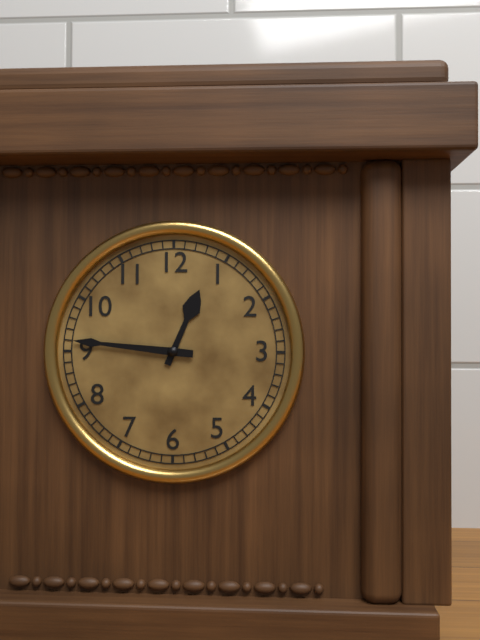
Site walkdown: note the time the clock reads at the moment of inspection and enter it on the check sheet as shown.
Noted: 12:46
